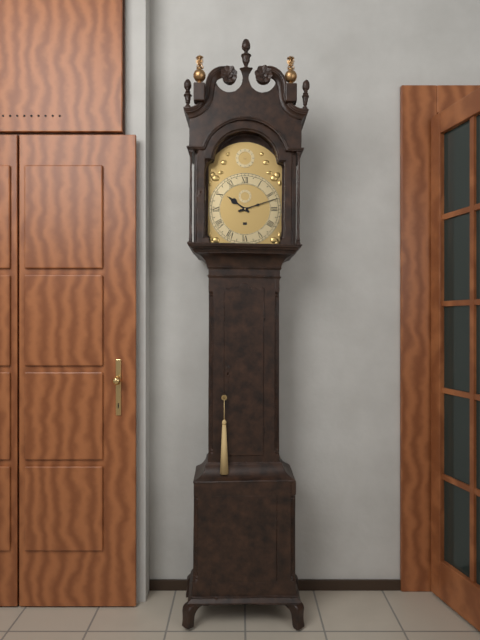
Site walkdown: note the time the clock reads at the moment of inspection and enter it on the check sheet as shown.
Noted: 10:12
